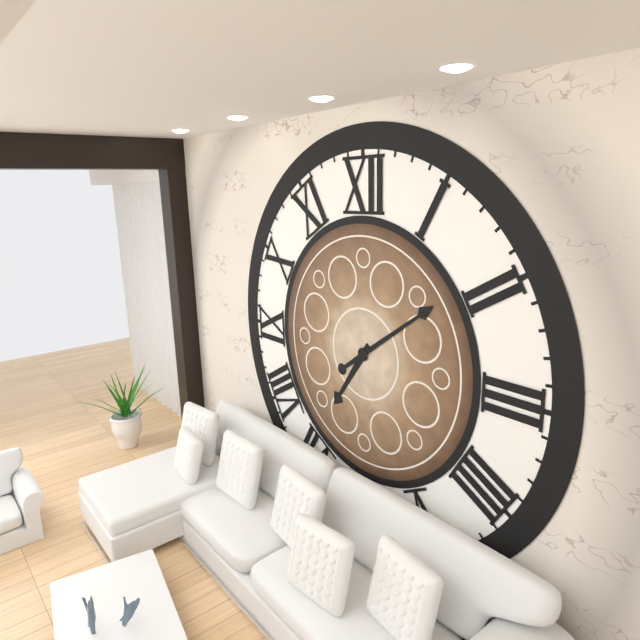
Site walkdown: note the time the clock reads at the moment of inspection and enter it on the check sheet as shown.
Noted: 7:09
